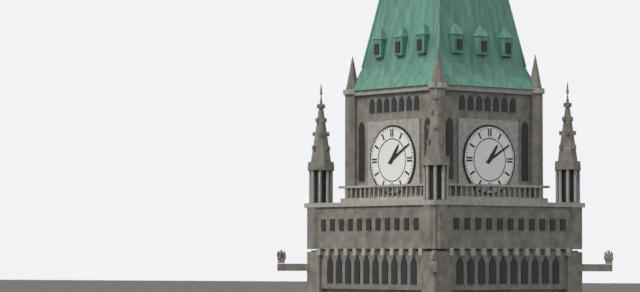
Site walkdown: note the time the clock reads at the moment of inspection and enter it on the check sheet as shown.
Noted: 1:10
